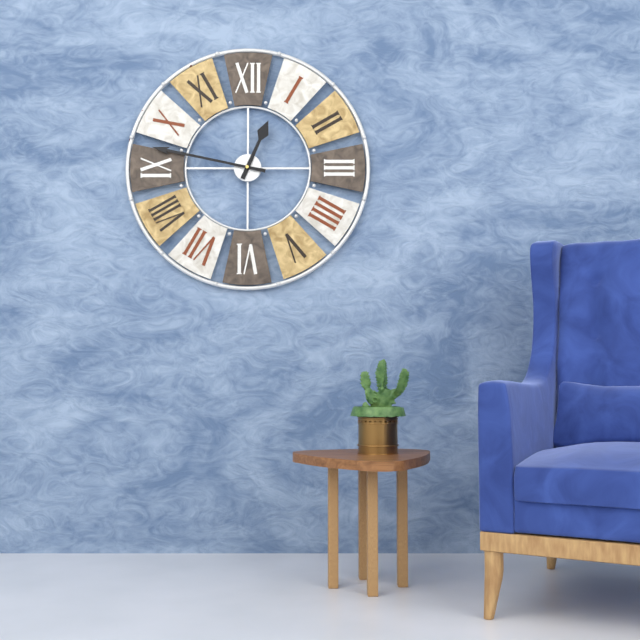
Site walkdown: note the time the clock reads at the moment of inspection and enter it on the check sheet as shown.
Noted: 12:47
